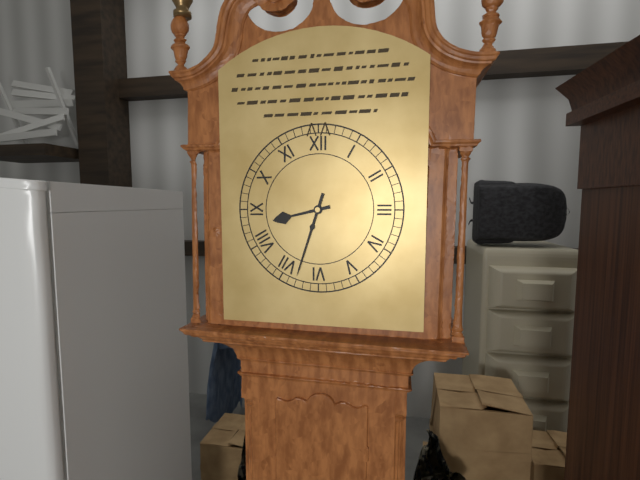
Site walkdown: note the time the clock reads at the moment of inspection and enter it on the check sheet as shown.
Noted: 8:33
